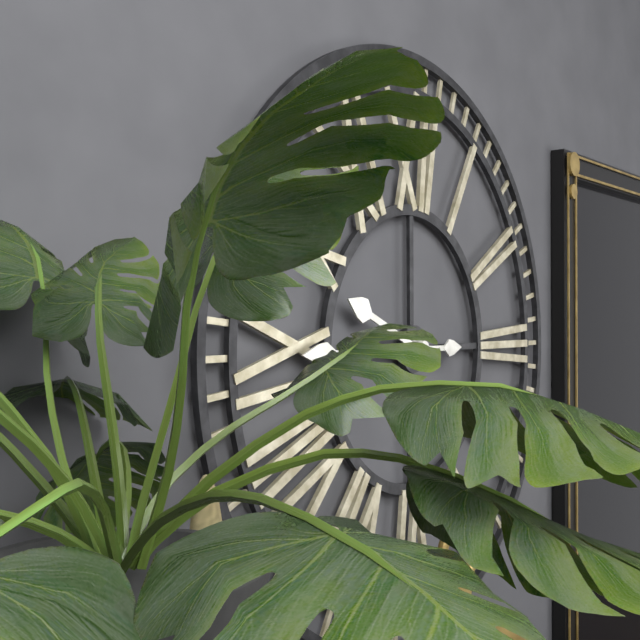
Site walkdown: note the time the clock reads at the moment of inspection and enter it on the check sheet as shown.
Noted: 9:45
